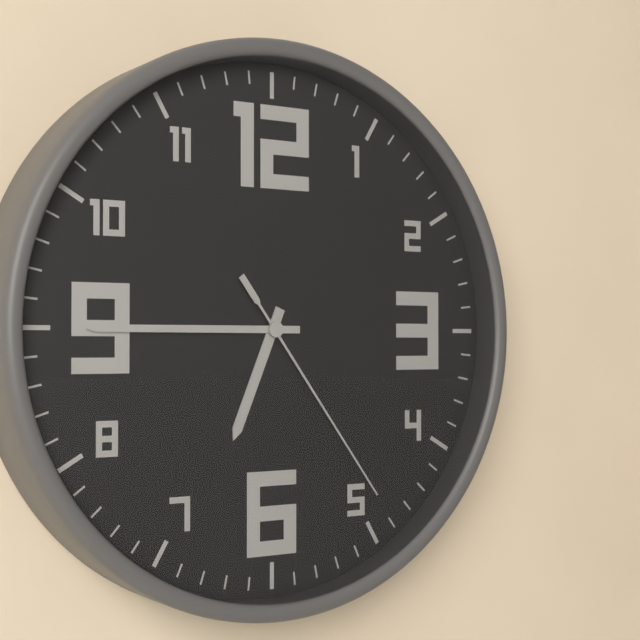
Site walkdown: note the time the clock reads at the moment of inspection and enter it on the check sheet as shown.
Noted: 6:45:24
